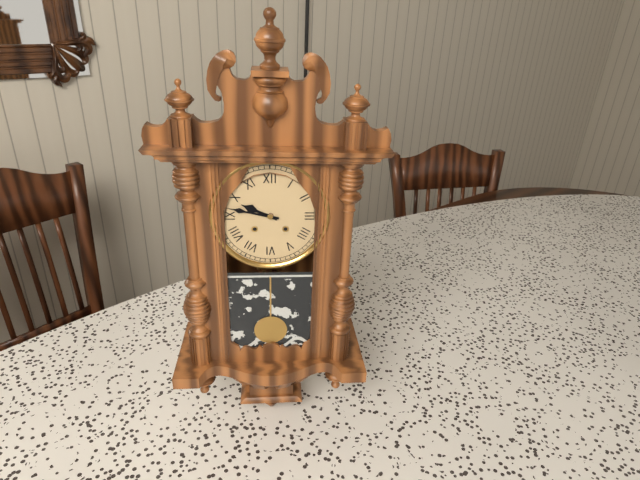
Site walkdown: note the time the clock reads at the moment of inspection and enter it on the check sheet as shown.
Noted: 9:47
